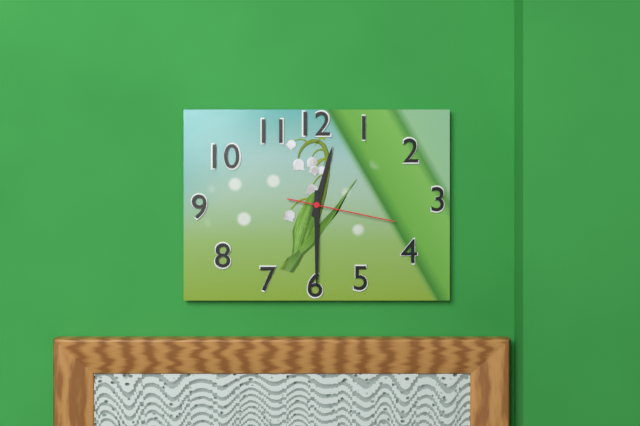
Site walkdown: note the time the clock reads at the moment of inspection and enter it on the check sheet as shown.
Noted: 12:30:17
